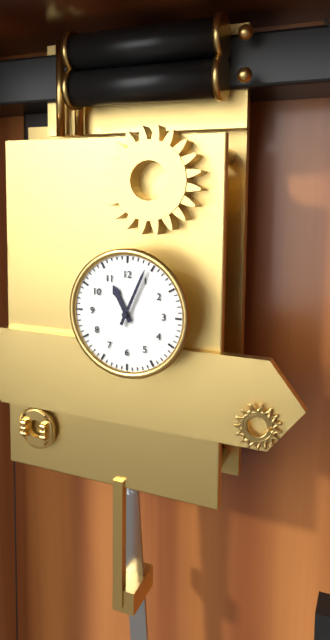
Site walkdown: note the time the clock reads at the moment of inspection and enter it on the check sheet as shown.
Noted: 11:04
